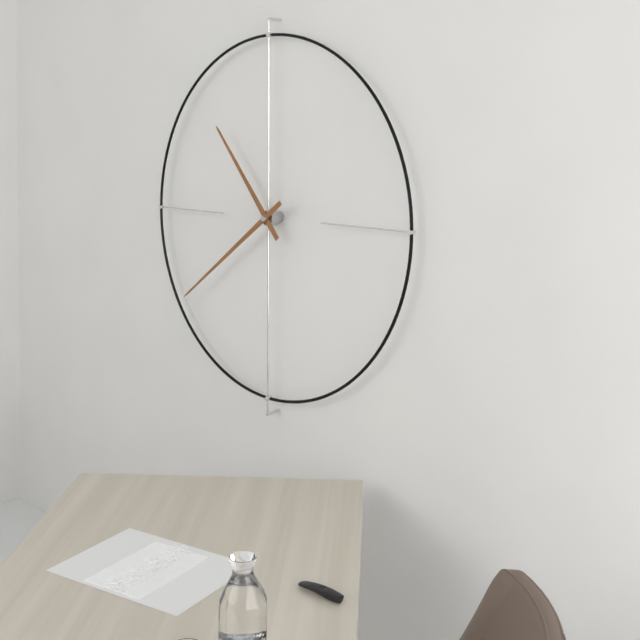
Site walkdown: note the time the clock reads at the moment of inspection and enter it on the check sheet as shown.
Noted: 10:39
